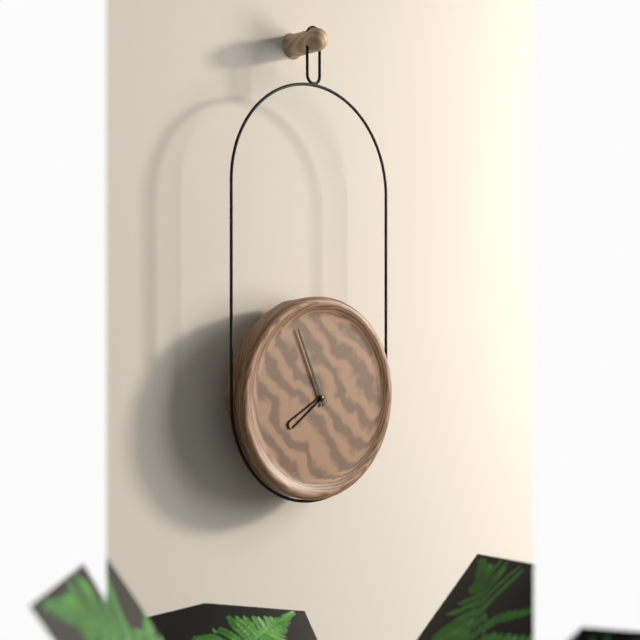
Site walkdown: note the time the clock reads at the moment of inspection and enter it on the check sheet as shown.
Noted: 7:56
